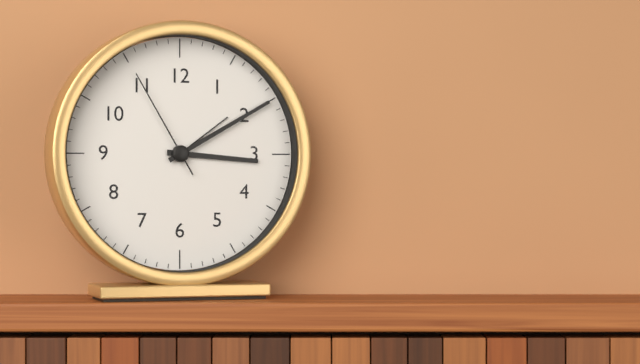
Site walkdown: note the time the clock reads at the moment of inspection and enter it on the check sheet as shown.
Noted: 3:10:55
